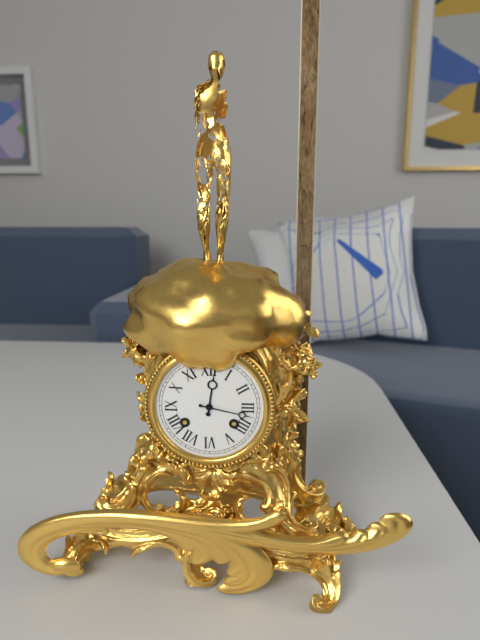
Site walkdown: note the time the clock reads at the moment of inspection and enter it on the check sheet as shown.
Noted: 12:17
